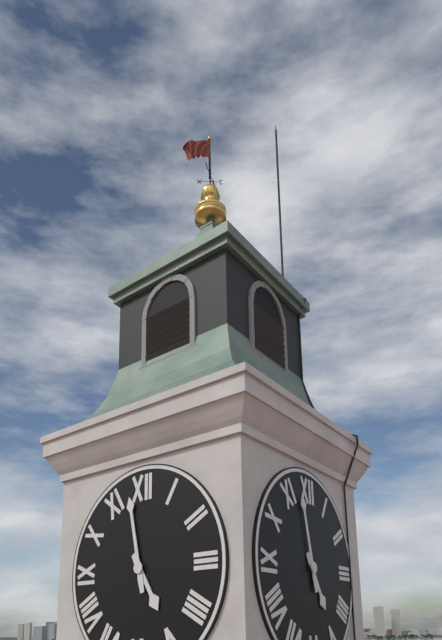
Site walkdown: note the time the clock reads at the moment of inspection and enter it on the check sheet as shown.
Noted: 4:58
